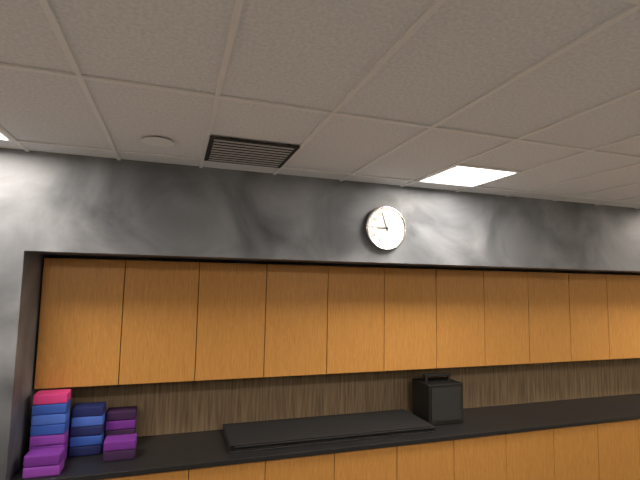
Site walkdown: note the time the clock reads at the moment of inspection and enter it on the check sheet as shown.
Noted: 8:57
